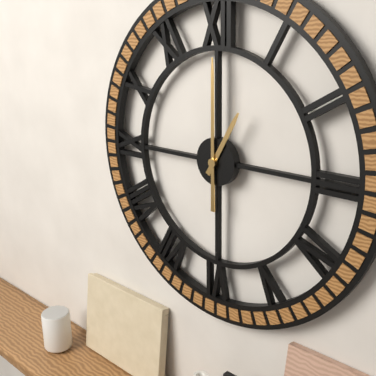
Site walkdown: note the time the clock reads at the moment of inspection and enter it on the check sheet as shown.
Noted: 1:00
